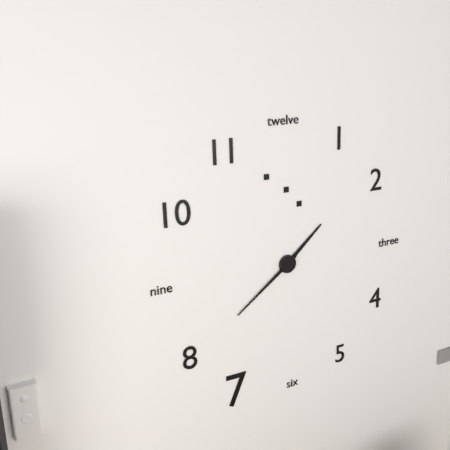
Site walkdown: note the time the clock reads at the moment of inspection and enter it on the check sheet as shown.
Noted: 1:39
